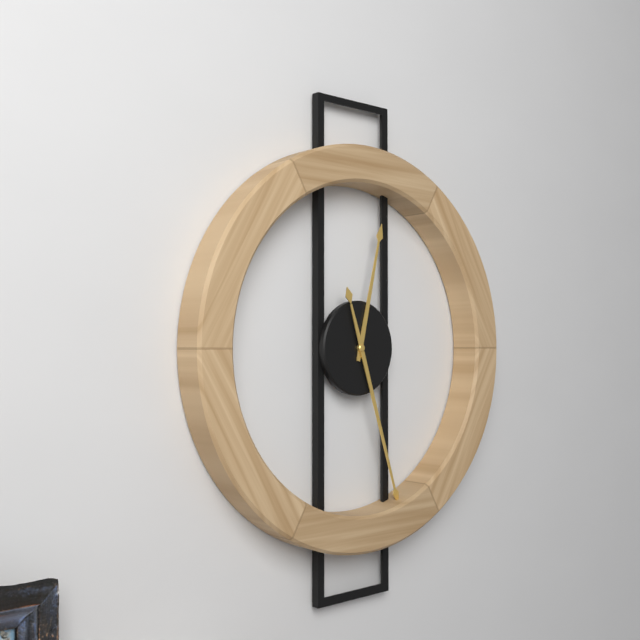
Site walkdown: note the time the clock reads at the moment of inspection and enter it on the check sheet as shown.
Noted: 12:27
